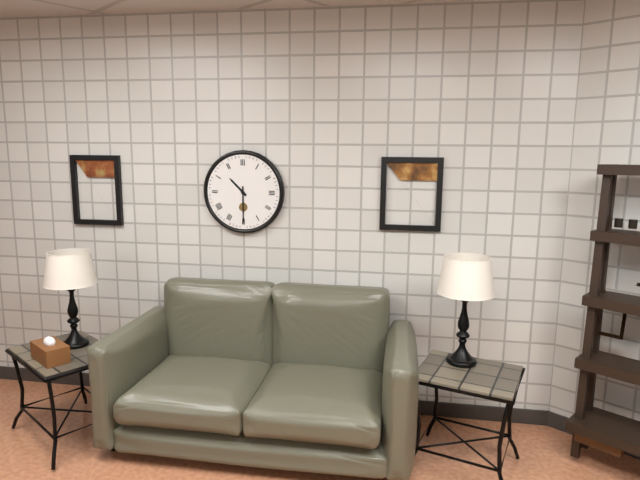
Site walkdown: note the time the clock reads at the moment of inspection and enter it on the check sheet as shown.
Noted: 10:30
